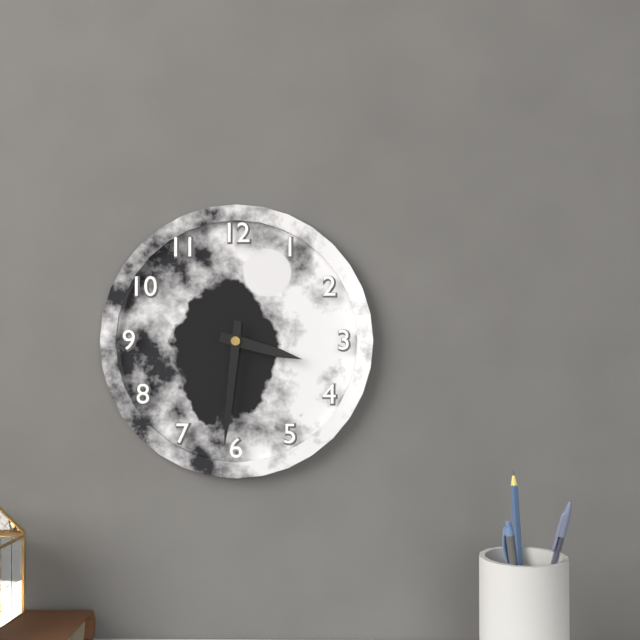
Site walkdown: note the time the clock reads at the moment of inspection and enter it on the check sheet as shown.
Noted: 3:31
